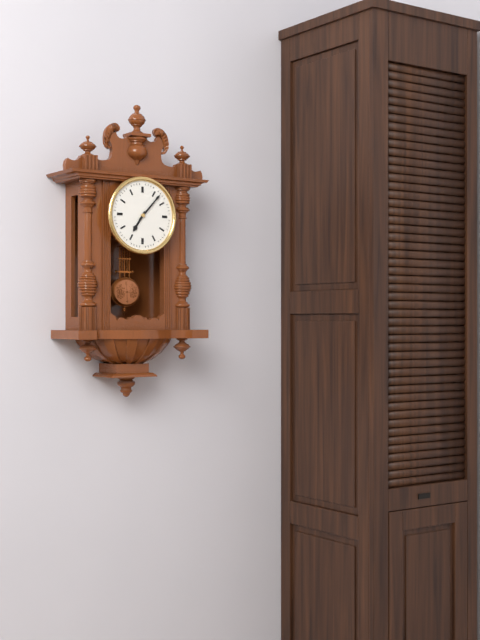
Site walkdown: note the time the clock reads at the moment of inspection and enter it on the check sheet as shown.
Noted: 7:07
